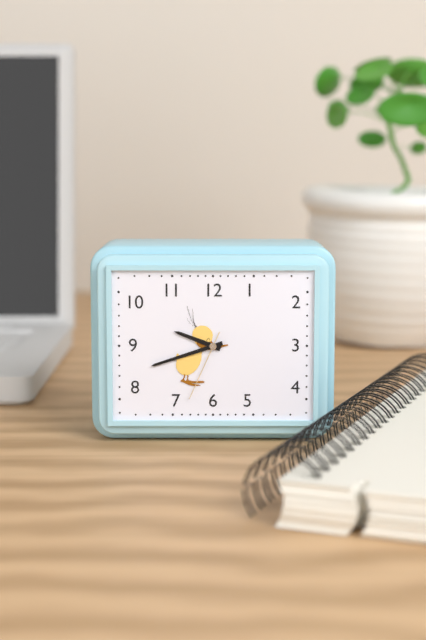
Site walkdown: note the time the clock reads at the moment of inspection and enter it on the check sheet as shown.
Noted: 9:42:34
